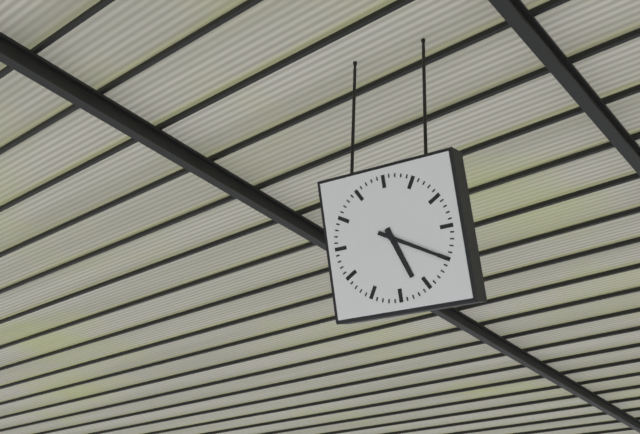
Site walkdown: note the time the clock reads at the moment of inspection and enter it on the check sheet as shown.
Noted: 5:20
